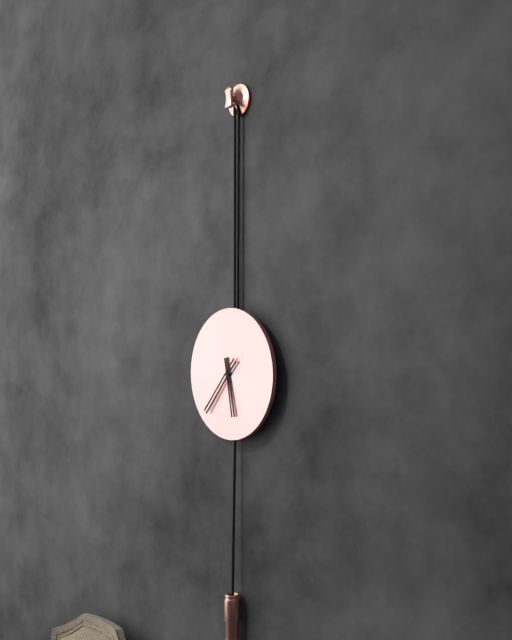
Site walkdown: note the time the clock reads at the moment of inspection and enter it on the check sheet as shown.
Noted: 5:37
